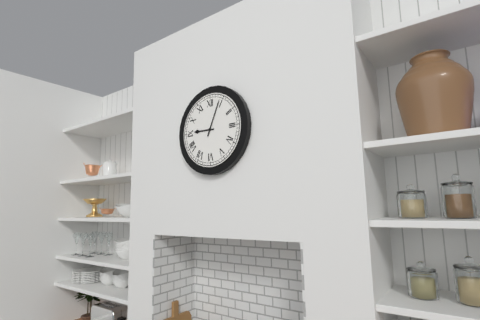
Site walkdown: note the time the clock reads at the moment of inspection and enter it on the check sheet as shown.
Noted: 9:04
